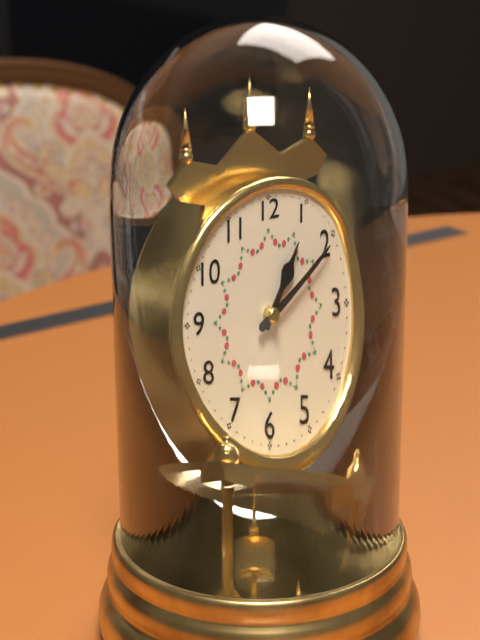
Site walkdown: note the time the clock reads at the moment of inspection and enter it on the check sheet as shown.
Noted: 1:10
